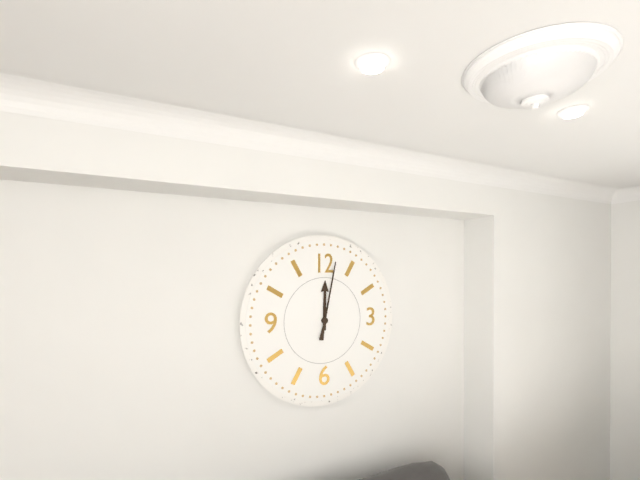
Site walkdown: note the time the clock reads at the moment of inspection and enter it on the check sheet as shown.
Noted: 12:02
